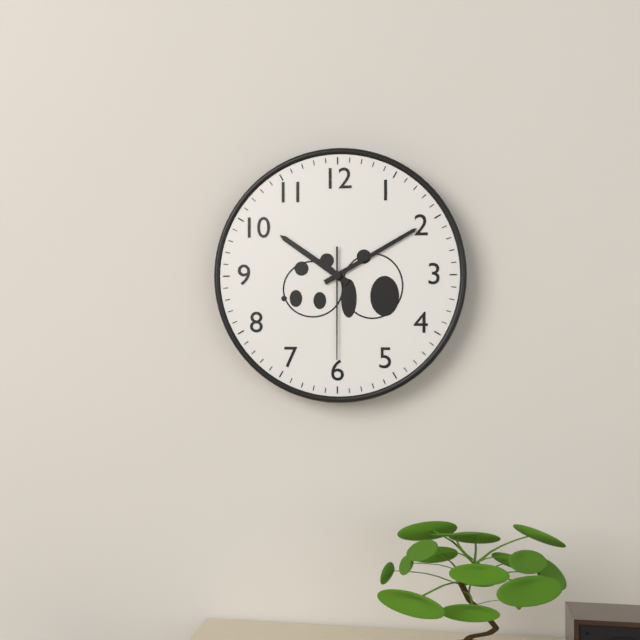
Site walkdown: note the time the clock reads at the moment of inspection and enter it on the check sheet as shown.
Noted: 10:10:30
